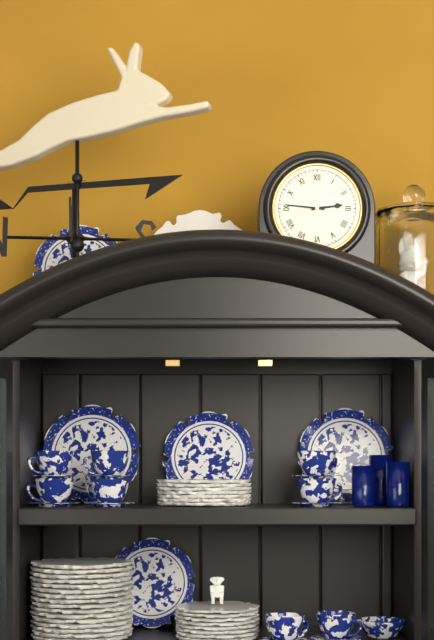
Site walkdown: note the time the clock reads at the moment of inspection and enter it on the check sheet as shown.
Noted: 2:46
